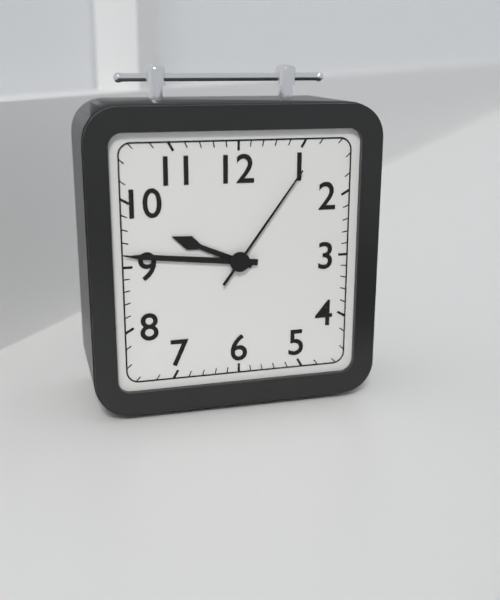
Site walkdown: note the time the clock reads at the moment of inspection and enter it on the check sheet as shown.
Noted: 9:46:06
